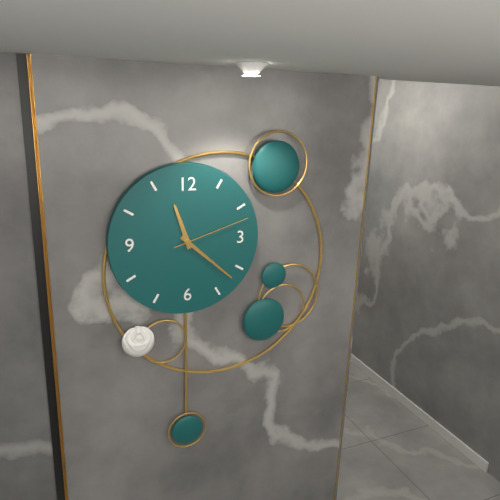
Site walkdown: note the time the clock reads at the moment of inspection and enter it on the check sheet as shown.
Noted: 11:22:12
